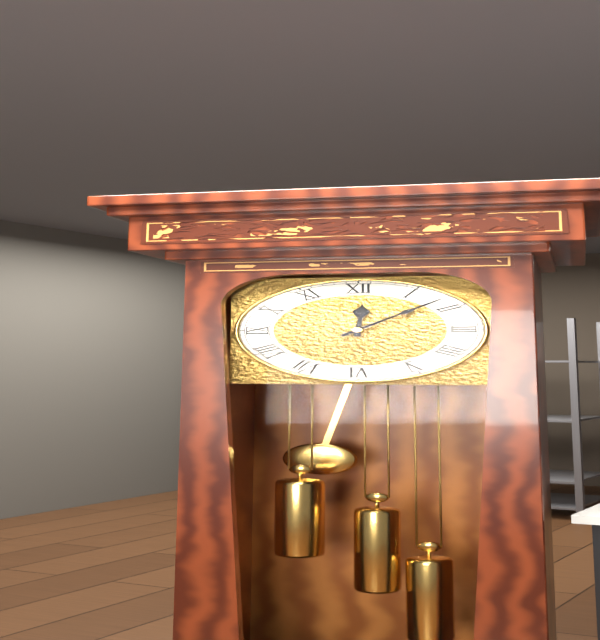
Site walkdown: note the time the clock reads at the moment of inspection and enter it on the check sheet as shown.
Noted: 12:08
